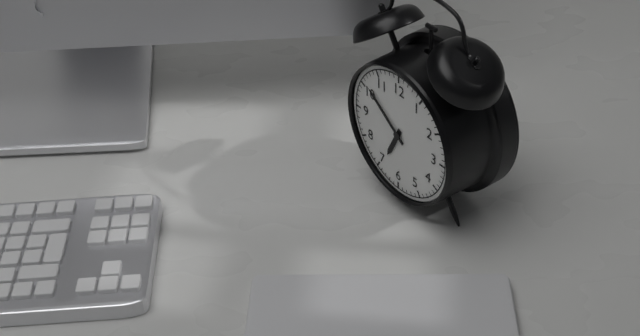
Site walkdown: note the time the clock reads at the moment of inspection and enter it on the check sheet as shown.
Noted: 6:51
